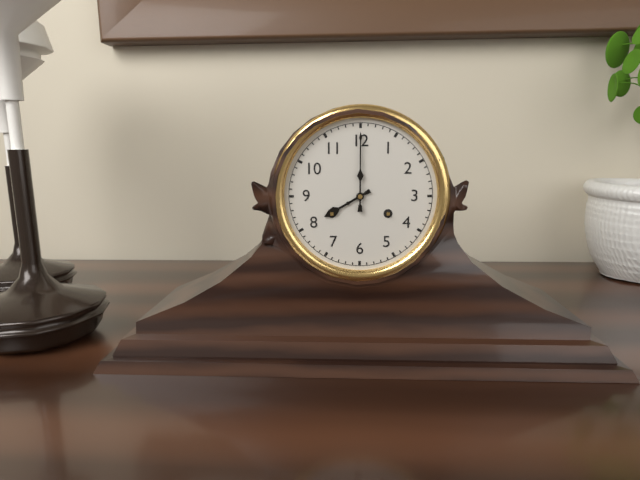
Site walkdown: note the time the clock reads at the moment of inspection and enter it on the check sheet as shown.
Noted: 8:00
